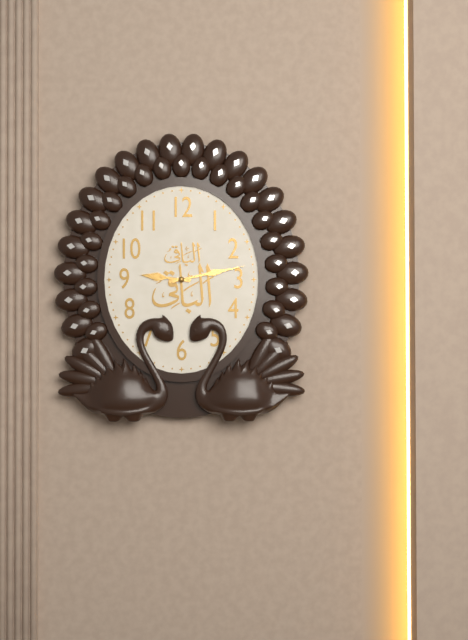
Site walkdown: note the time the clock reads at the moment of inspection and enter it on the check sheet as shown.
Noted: 9:13
